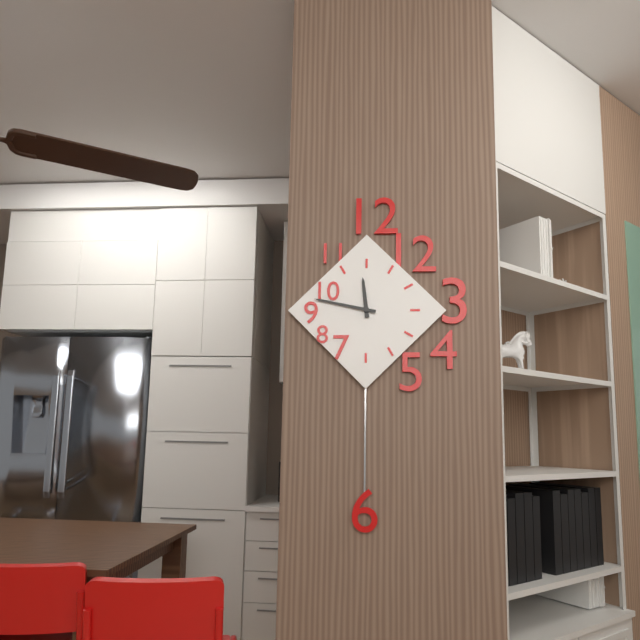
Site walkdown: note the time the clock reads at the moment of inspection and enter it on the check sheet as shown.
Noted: 11:47
